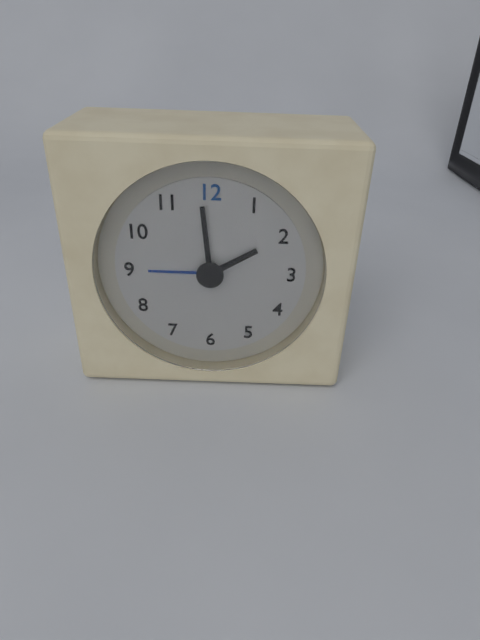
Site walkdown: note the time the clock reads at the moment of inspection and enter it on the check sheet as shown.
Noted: 1:59
